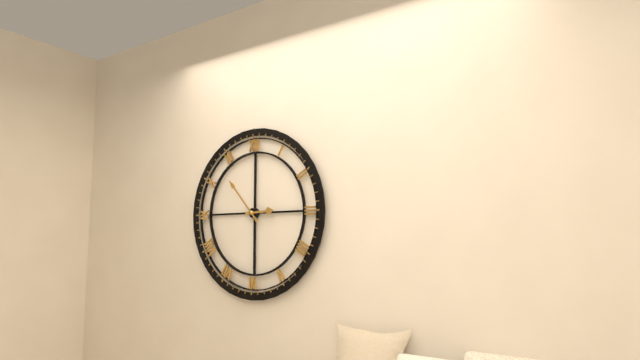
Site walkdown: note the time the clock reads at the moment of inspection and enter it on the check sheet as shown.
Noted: 2:53
